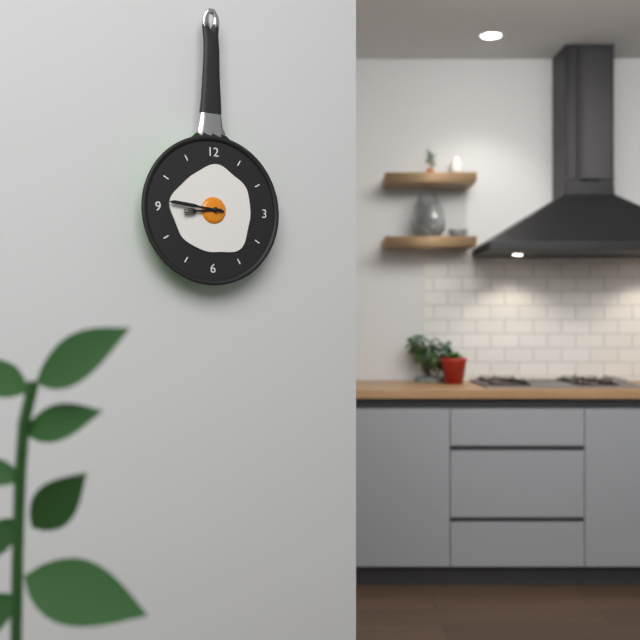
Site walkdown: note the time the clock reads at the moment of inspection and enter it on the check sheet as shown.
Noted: 8:46
